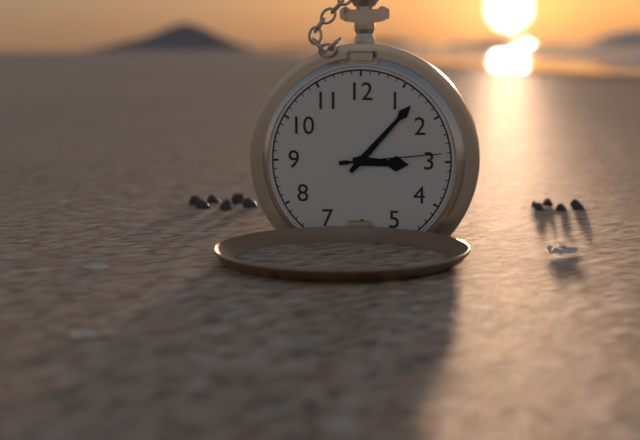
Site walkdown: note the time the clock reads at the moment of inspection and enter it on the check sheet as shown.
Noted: 3:07:14
